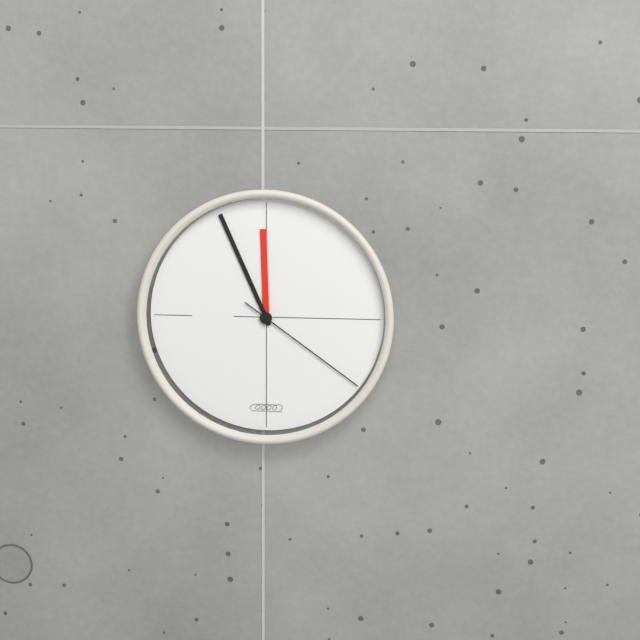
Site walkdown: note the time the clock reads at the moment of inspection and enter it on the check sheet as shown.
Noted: 11:56:21
